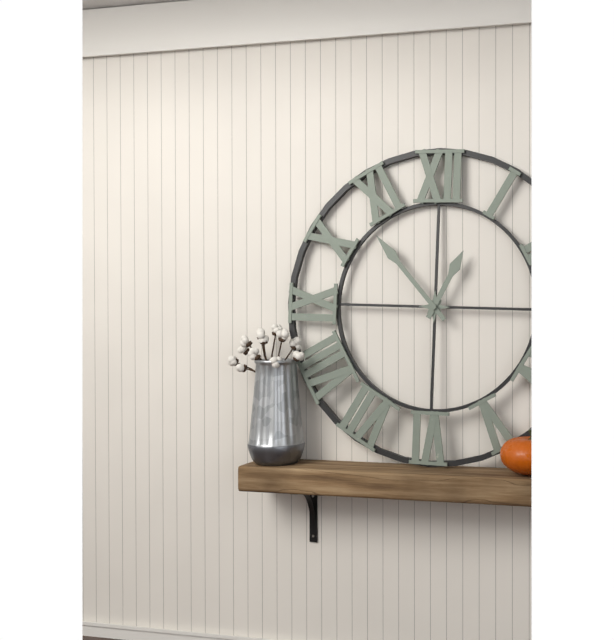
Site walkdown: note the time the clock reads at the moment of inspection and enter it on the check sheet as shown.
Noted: 12:53
